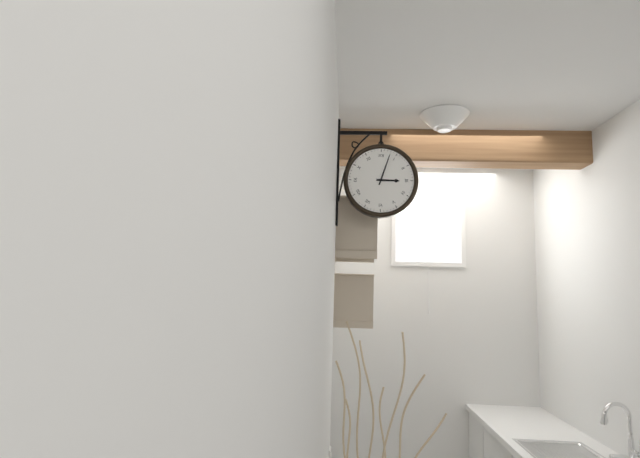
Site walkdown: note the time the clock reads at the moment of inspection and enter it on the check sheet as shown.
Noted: 3:03
